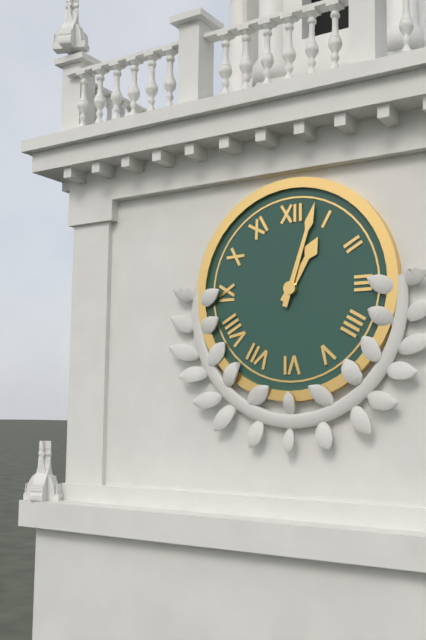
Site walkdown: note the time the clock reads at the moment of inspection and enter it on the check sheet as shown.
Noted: 1:03
